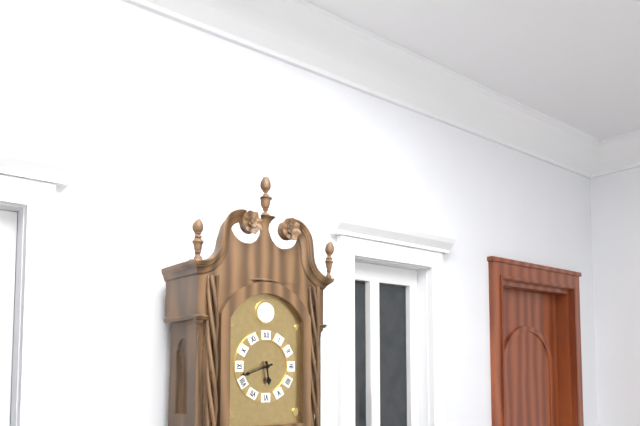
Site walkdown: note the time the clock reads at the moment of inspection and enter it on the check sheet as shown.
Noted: 5:42
